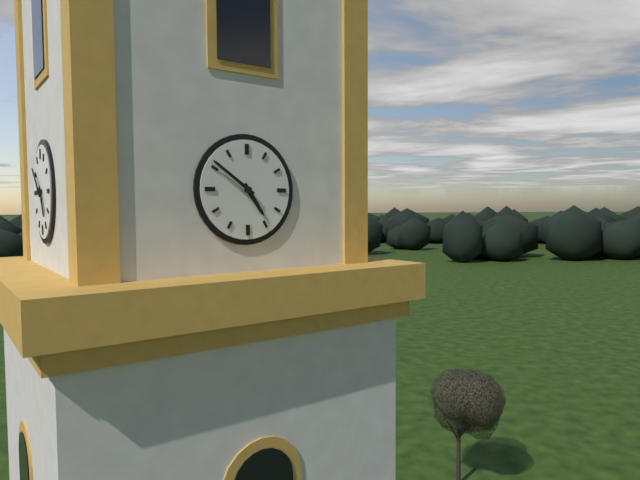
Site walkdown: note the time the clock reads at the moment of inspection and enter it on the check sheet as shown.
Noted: 4:51
